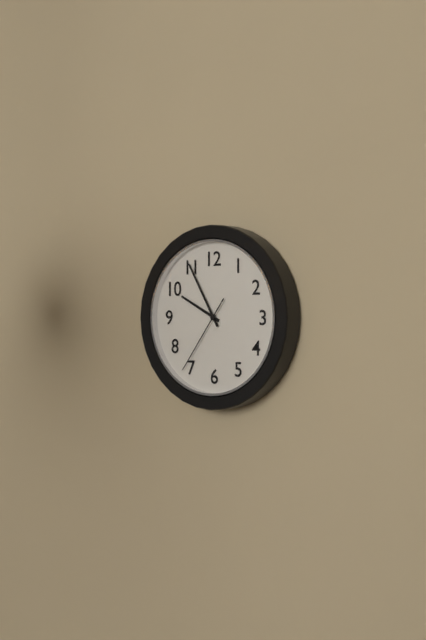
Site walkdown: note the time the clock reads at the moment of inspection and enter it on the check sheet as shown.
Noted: 9:55:36
